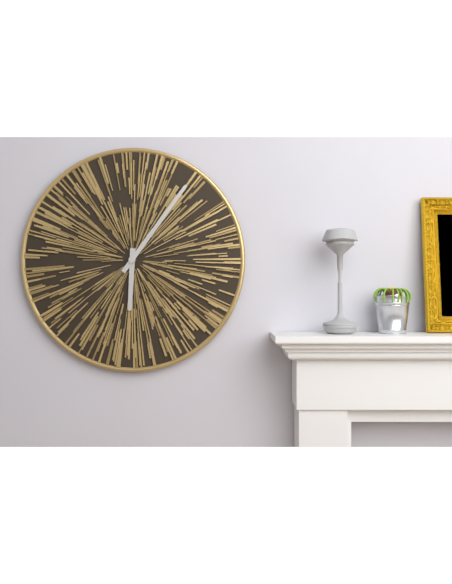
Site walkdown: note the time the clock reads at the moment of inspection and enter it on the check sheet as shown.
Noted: 6:06
